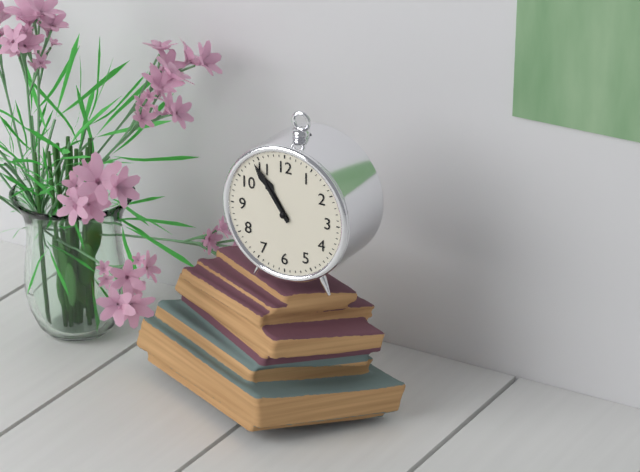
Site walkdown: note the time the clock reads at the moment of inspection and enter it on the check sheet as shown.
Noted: 10:54
